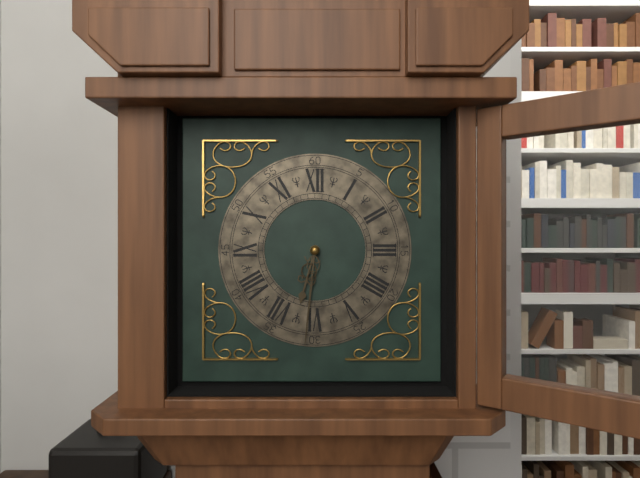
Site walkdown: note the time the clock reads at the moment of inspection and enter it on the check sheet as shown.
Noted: 6:31
